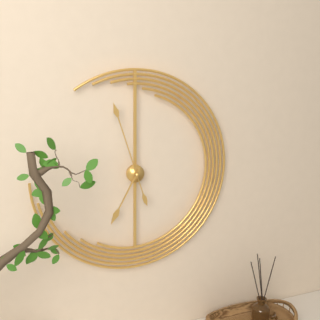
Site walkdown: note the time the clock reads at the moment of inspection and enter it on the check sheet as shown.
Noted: 6:57
